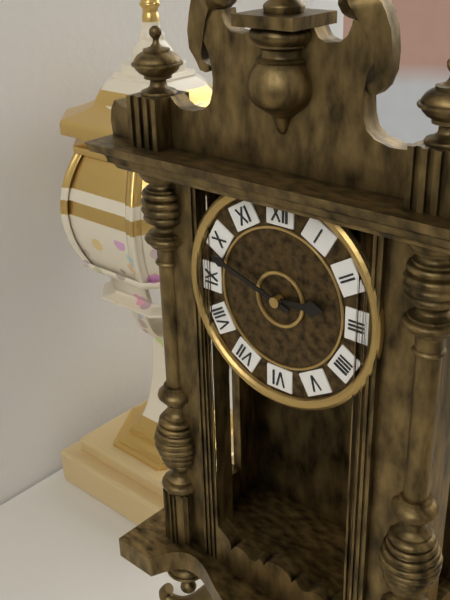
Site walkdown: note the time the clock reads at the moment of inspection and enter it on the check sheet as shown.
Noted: 2:48
